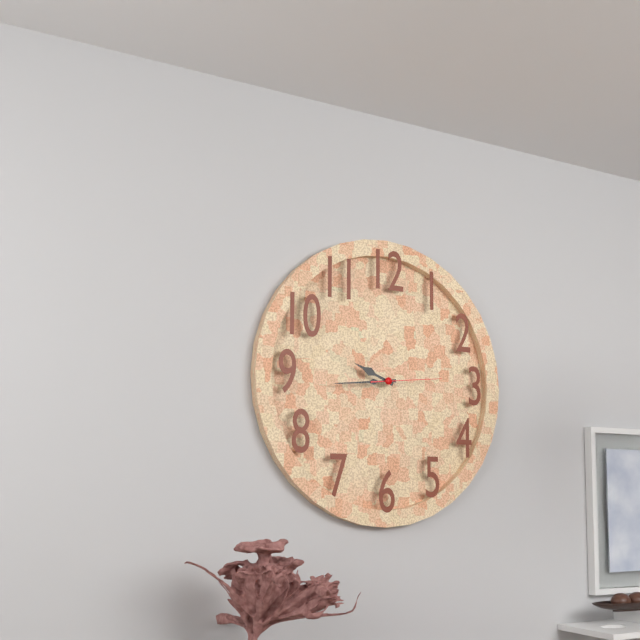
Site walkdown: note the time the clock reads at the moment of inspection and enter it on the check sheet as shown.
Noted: 9:44:14
